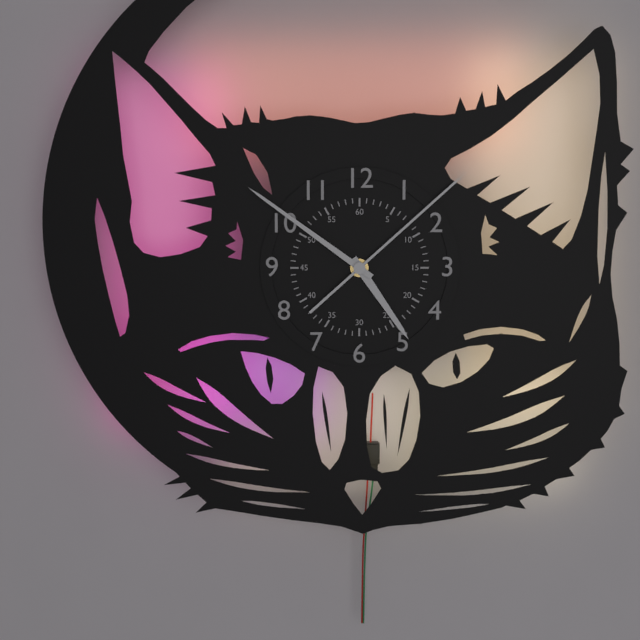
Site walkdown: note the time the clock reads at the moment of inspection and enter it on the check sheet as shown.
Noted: 4:51:08
